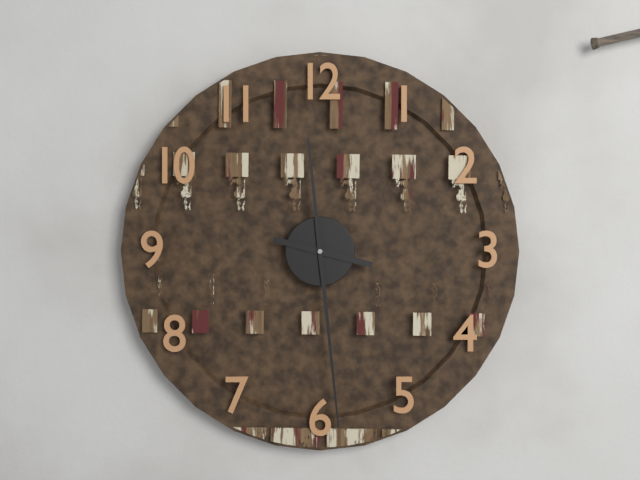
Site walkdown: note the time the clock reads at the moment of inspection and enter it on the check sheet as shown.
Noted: 3:29
